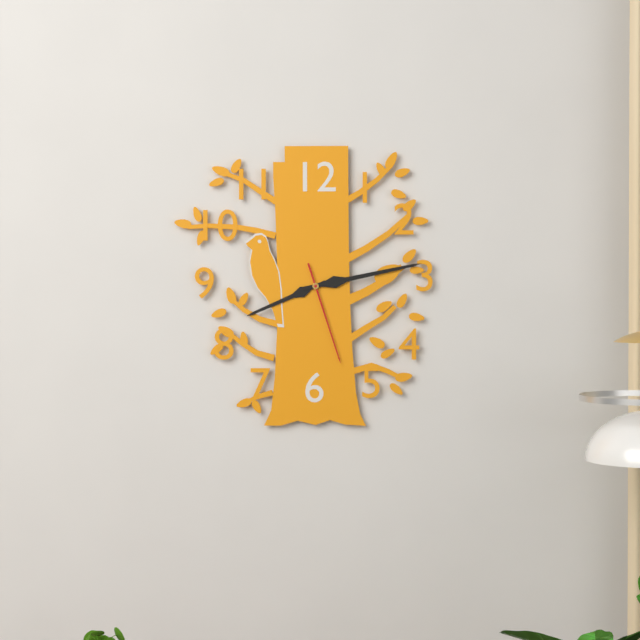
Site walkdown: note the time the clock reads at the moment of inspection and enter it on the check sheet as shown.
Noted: 8:13:27
